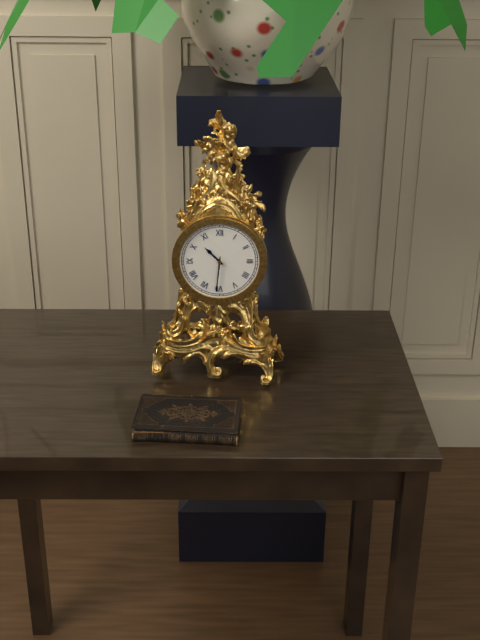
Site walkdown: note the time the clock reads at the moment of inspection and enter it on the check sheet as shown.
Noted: 10:31
